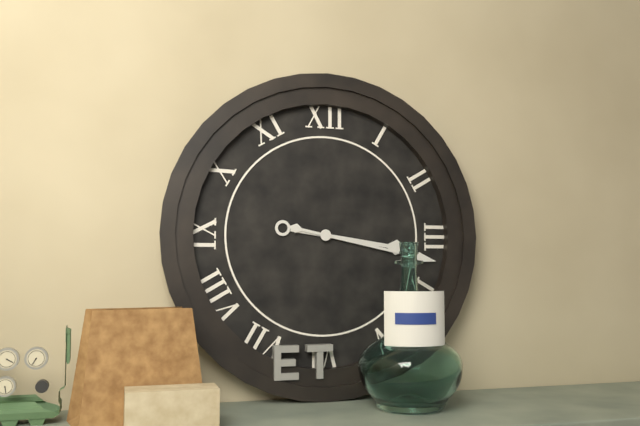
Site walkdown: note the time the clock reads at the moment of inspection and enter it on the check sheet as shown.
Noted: 3:17
